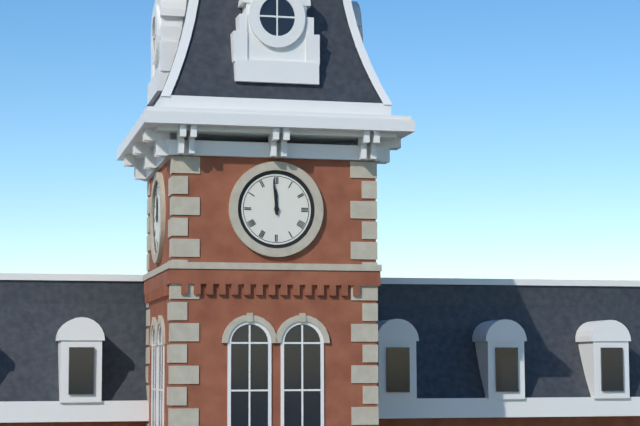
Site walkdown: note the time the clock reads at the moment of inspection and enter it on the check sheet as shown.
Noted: 11:59
